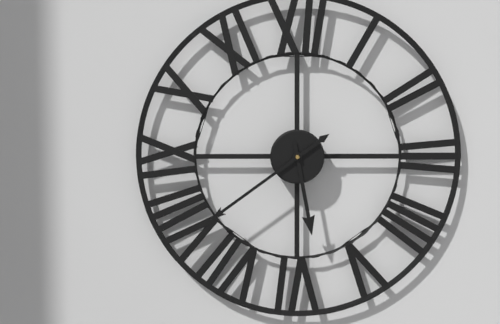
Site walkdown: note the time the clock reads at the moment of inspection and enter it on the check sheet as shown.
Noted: 5:39
